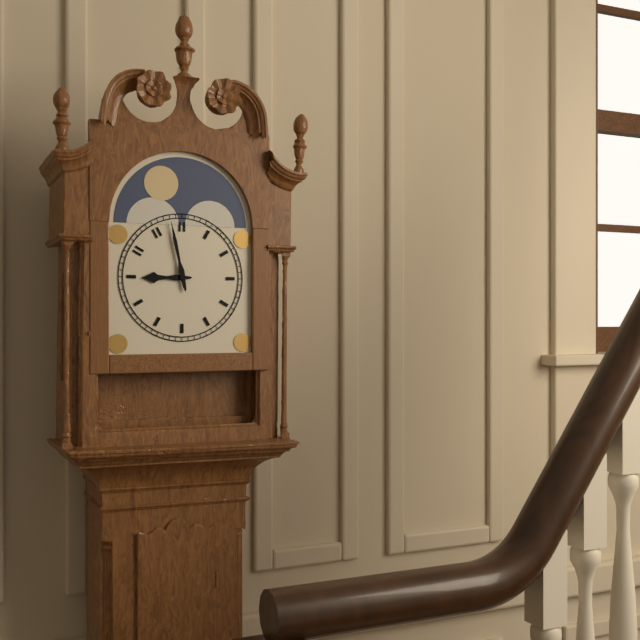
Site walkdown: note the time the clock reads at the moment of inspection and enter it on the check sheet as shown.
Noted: 8:58
